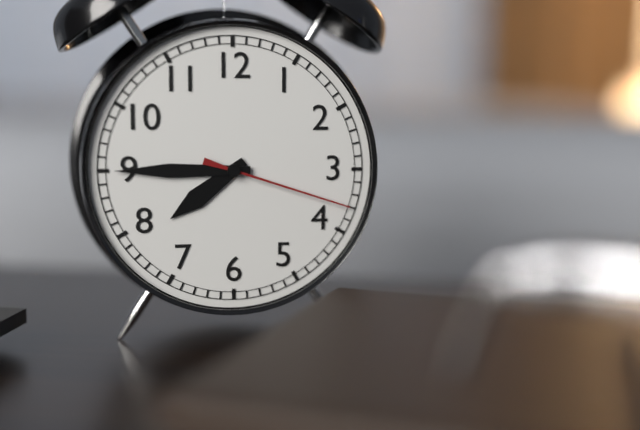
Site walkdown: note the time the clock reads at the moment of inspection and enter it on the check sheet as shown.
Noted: 7:45:18
